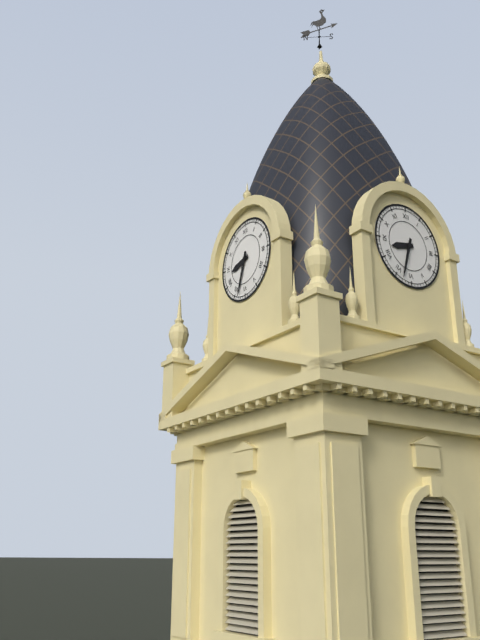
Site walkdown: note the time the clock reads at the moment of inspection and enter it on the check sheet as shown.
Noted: 8:33
